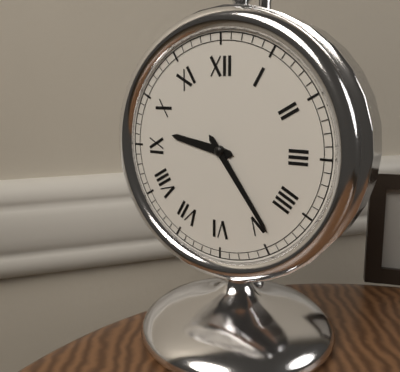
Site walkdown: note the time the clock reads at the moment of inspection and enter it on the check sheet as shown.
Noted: 9:24
